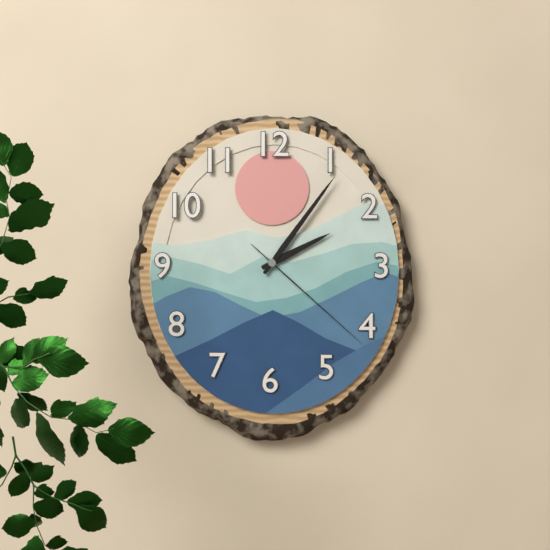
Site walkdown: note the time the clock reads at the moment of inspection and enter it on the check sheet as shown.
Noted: 2:06:22
